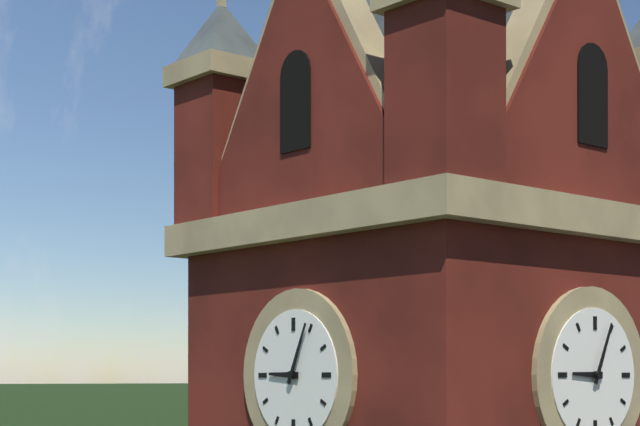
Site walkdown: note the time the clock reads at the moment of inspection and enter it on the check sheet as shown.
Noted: 9:04
